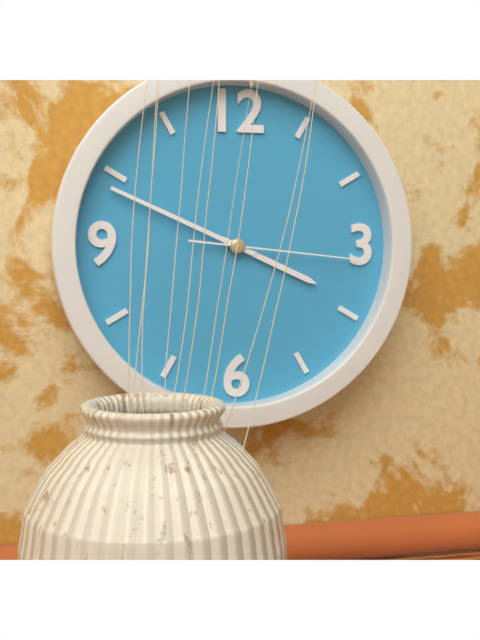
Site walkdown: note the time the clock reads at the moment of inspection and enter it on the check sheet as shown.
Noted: 3:49:16
